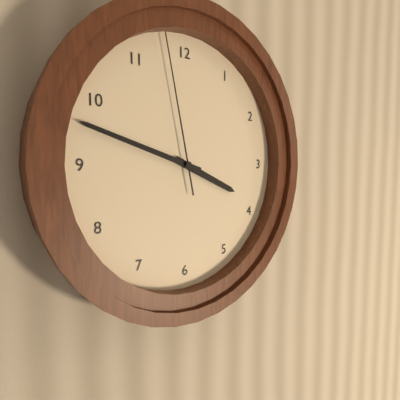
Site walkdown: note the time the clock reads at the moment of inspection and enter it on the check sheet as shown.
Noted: 3:48:58
